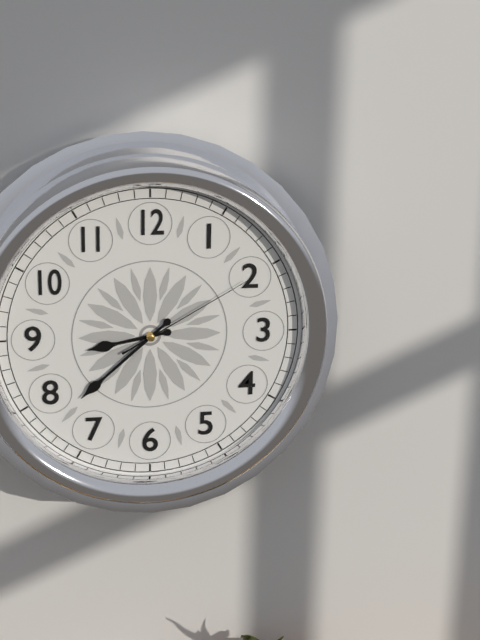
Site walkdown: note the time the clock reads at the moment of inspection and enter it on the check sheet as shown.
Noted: 8:38:10
